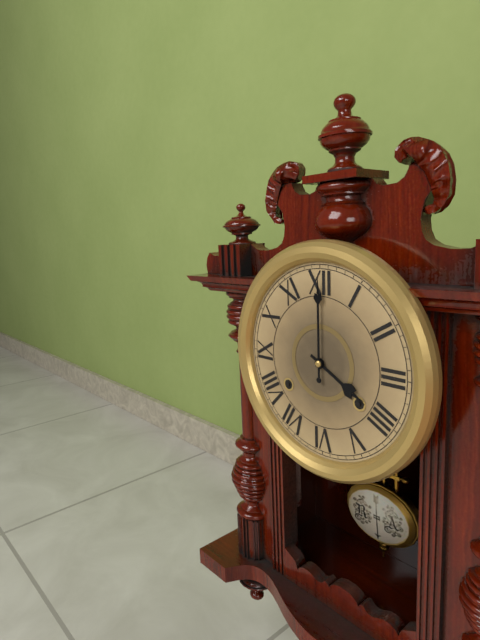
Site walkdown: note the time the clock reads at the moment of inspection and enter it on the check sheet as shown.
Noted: 4:00
